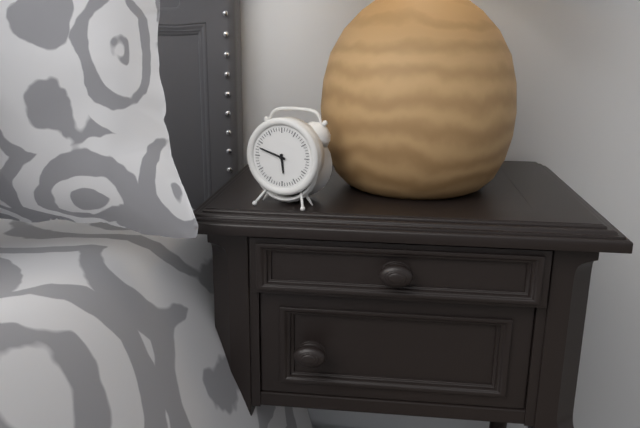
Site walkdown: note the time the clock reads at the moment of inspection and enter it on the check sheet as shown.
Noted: 5:48
